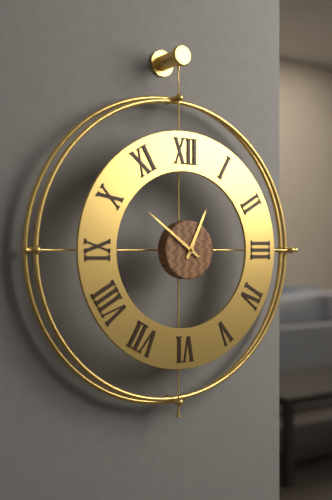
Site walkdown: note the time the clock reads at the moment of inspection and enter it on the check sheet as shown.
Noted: 12:51
